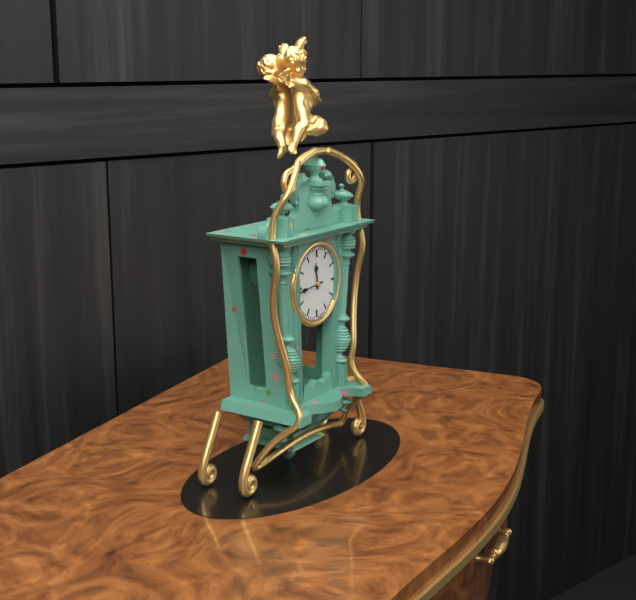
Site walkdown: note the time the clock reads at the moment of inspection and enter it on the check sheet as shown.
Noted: 11:44
